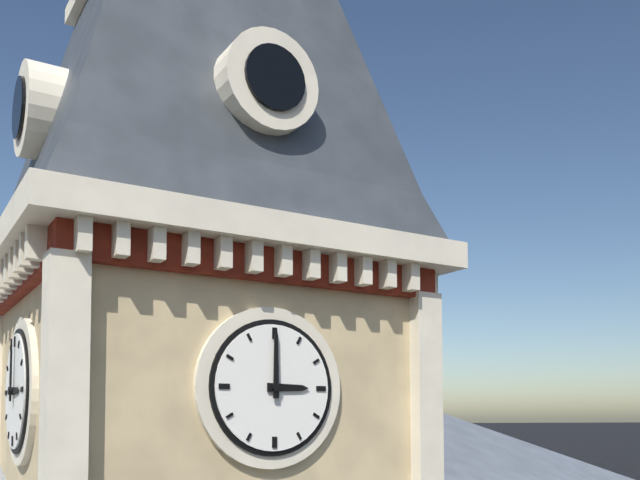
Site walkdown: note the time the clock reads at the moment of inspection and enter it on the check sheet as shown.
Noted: 3:00
